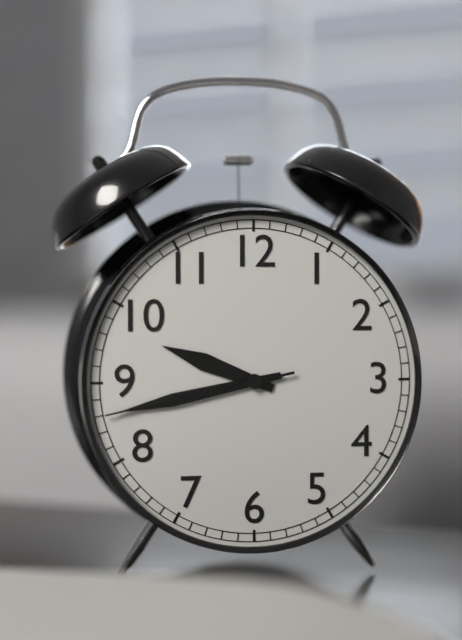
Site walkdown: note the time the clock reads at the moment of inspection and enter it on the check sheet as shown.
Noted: 9:43:43
